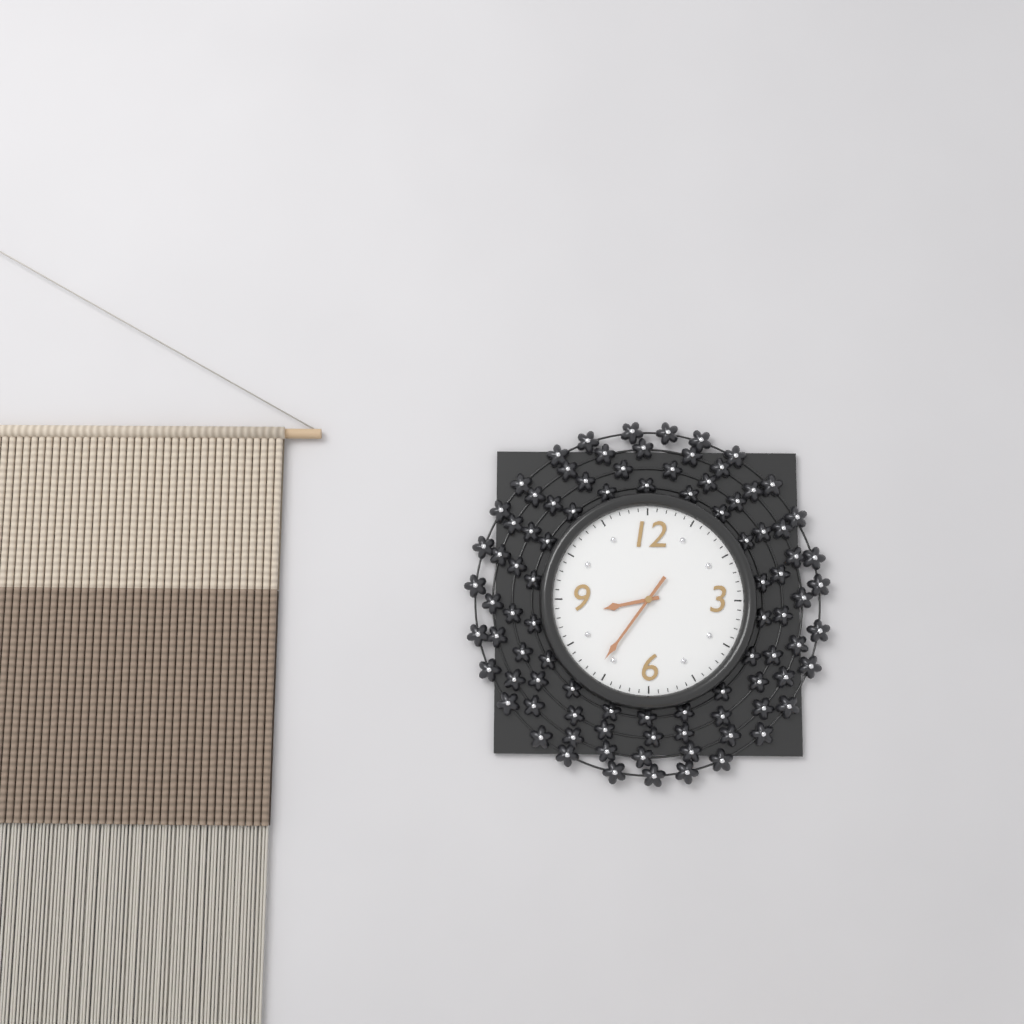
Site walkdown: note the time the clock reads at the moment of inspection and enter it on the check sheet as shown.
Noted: 8:36
